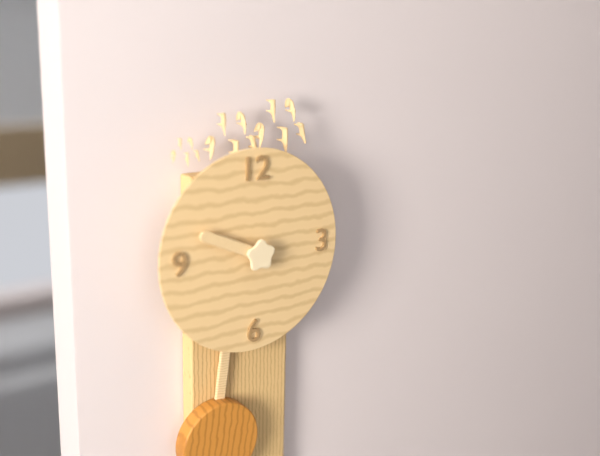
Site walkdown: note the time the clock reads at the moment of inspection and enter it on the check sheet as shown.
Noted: 9:49
